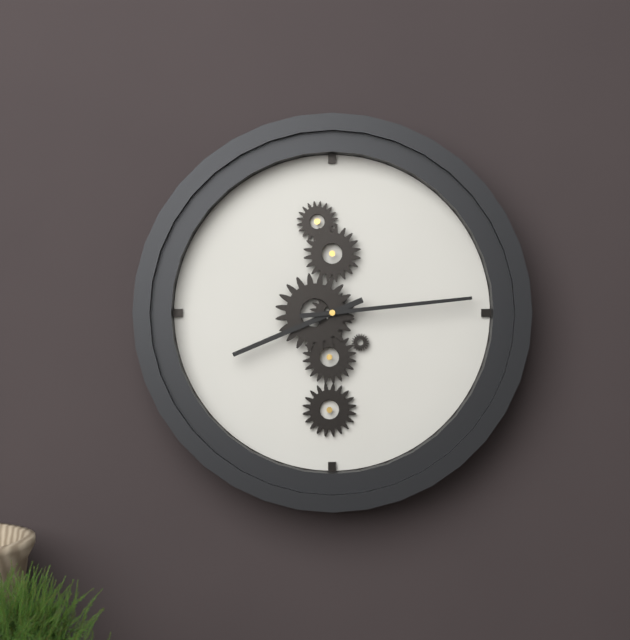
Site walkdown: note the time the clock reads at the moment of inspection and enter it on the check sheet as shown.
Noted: 8:14
